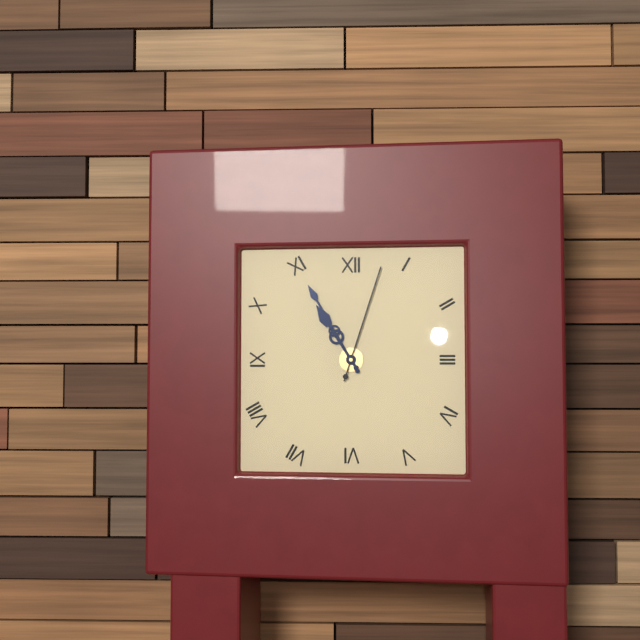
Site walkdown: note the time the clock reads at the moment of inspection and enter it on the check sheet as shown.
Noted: 10:55:03
